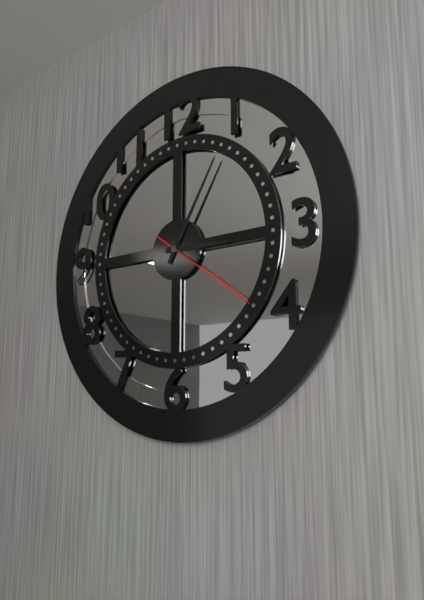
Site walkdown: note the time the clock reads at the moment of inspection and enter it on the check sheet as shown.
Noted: 3:05:21
